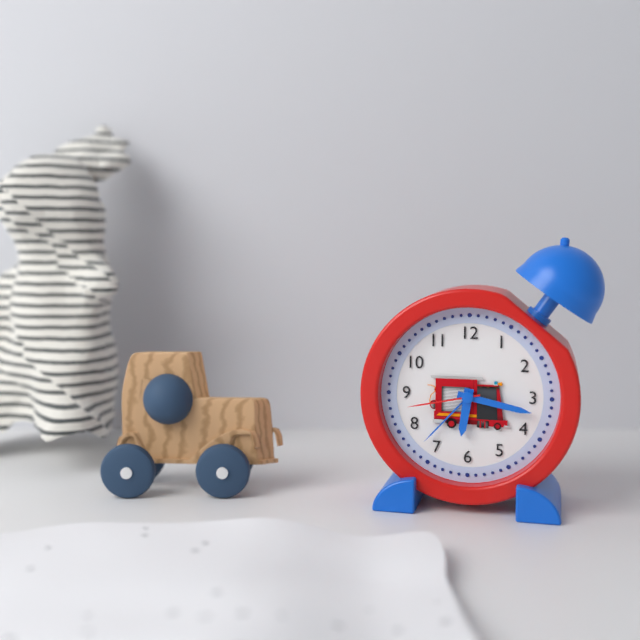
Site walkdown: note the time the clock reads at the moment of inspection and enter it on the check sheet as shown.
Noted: 6:17:43
